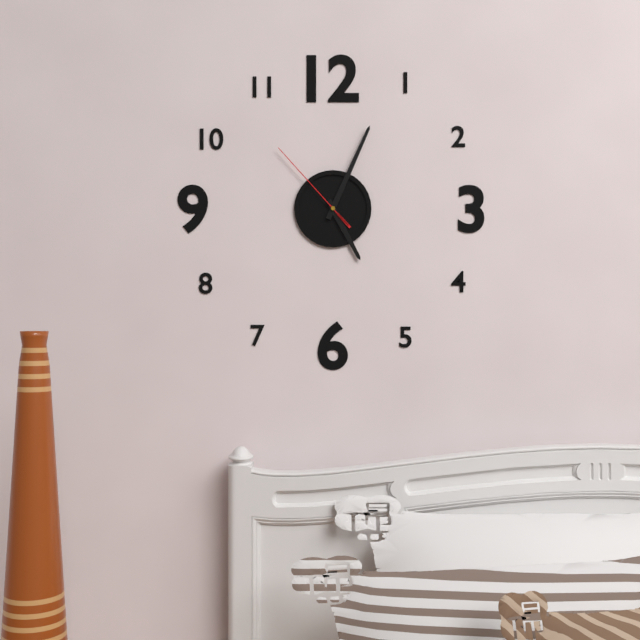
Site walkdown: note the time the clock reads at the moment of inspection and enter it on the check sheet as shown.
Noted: 5:04:53
